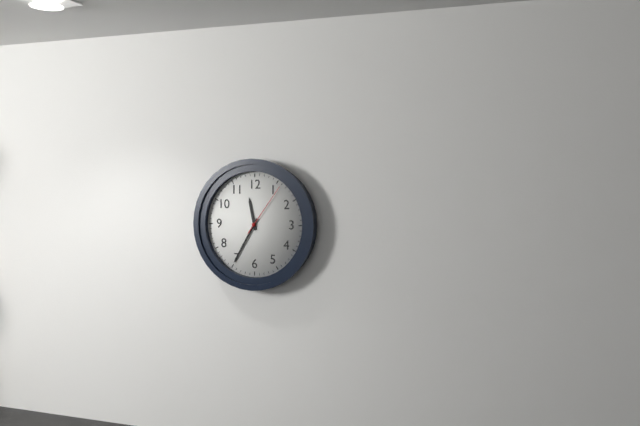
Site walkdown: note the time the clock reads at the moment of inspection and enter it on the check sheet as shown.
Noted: 11:35:06
